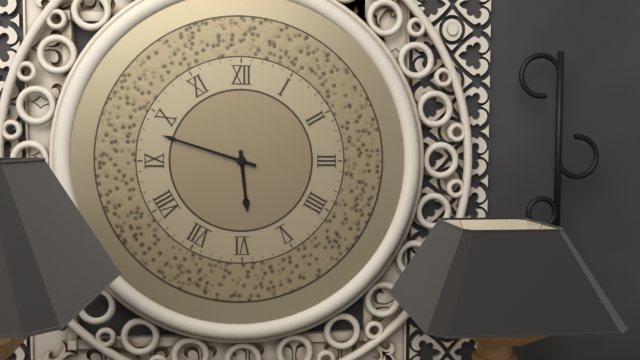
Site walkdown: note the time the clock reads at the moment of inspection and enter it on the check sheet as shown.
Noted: 5:48
